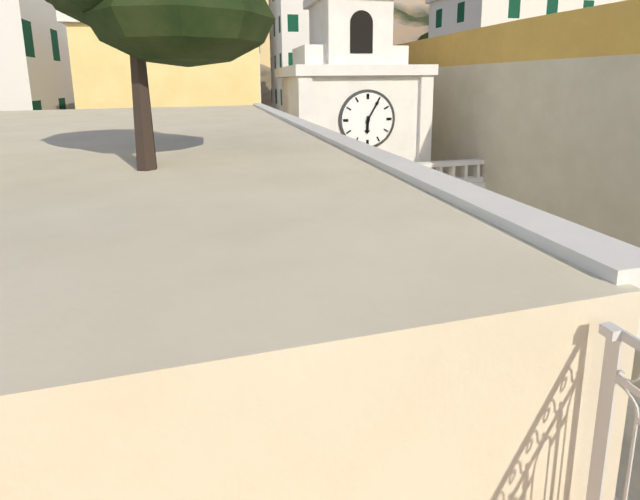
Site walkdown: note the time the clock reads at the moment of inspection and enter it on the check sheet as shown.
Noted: 6:05
